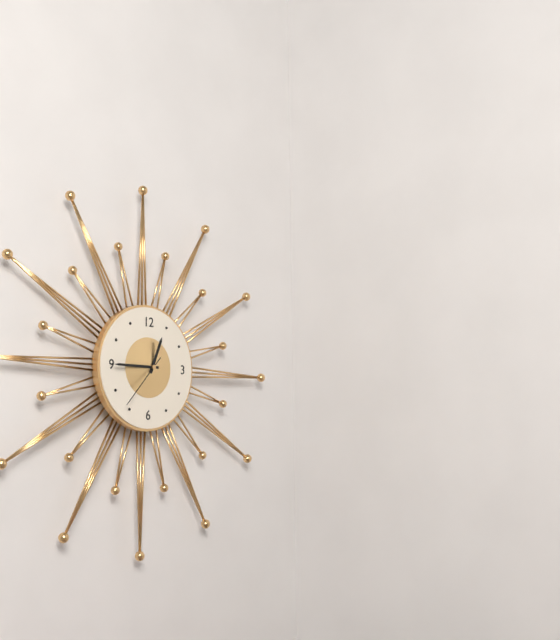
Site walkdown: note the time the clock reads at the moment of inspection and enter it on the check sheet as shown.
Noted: 12:45:37
